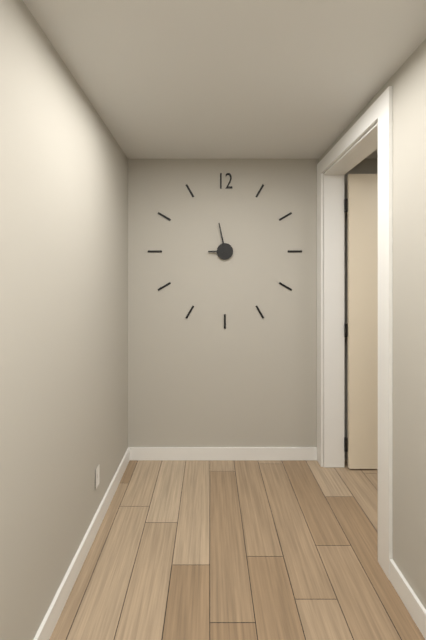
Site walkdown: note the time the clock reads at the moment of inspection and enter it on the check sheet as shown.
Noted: 8:58
